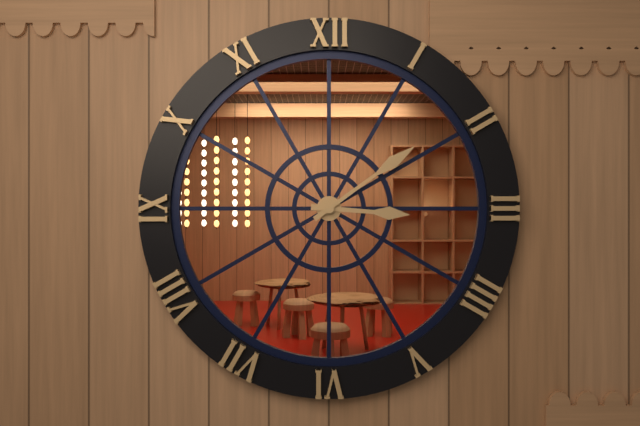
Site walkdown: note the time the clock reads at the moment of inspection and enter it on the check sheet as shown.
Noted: 3:09
